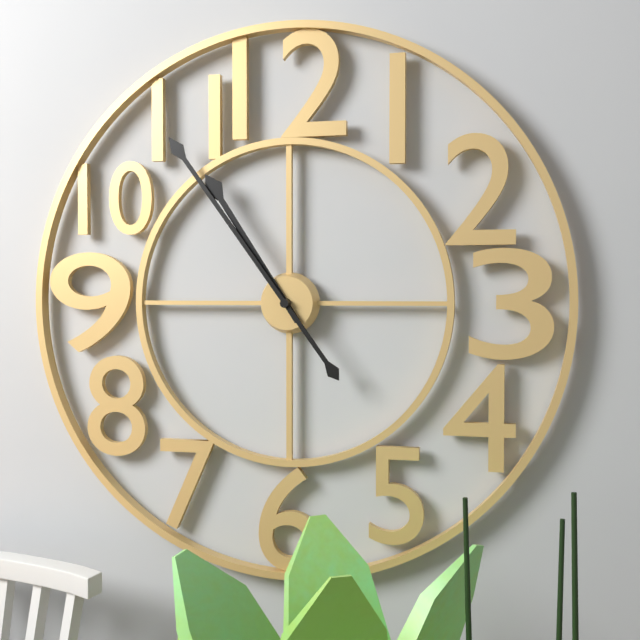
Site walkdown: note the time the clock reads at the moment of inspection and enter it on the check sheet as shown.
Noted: 10:54
